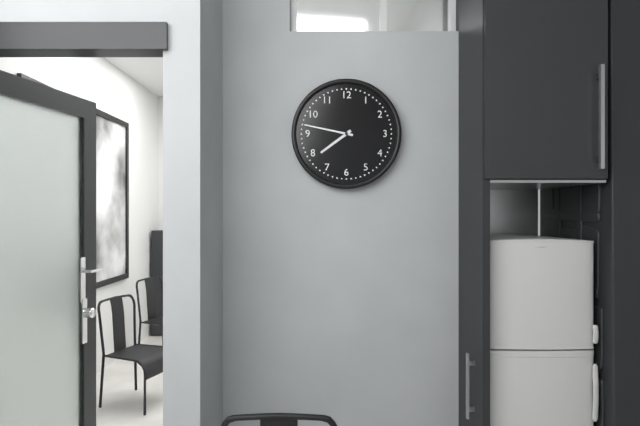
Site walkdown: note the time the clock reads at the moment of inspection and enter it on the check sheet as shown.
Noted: 7:47
